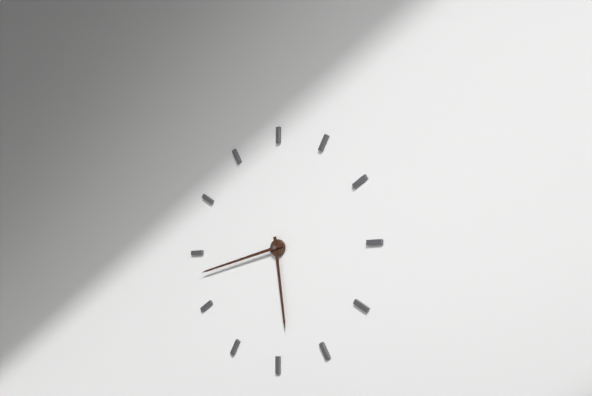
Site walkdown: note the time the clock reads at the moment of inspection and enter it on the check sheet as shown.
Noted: 5:43
